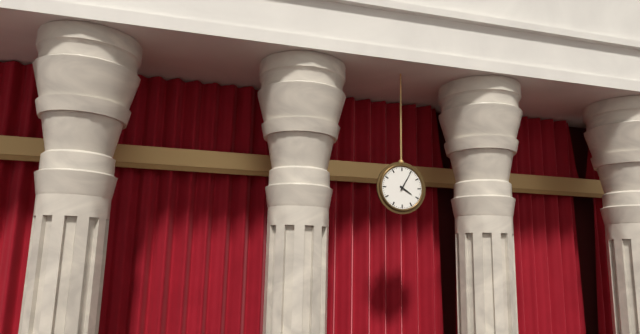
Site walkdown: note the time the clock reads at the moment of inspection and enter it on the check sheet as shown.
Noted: 4:05
